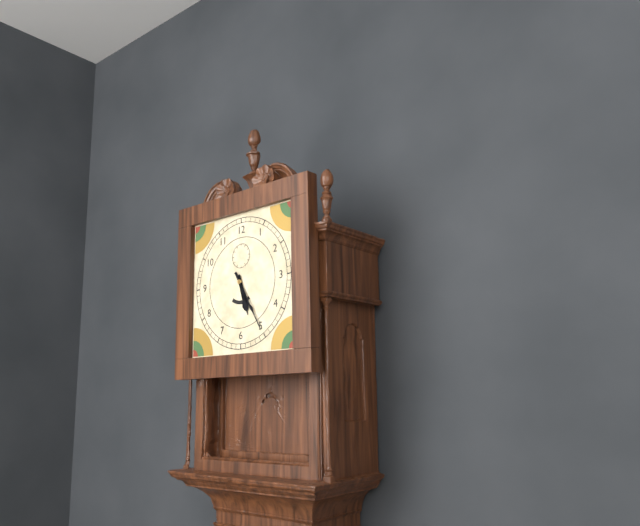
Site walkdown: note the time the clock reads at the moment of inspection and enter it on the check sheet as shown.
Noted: 5:25
